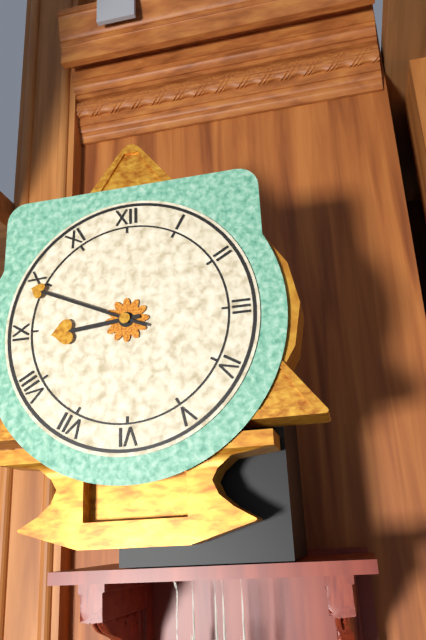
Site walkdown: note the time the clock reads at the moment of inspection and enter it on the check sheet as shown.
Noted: 8:49
